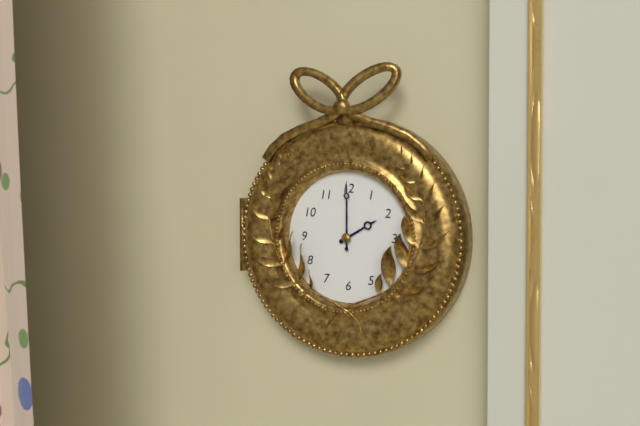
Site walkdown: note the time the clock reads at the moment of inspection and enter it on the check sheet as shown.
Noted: 2:00
